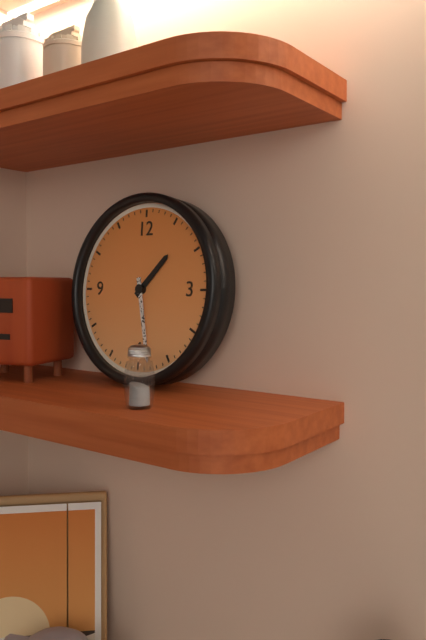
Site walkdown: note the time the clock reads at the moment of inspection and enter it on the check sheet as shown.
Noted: 1:28
